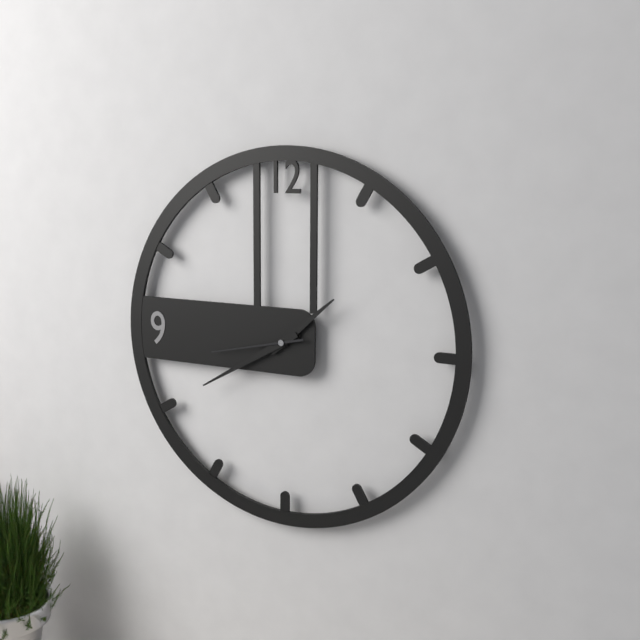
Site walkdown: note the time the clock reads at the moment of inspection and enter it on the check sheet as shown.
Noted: 1:40:43
